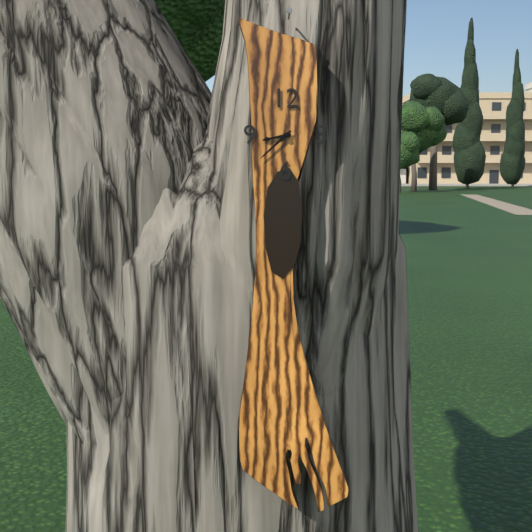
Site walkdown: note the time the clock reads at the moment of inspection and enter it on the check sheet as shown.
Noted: 8:38
